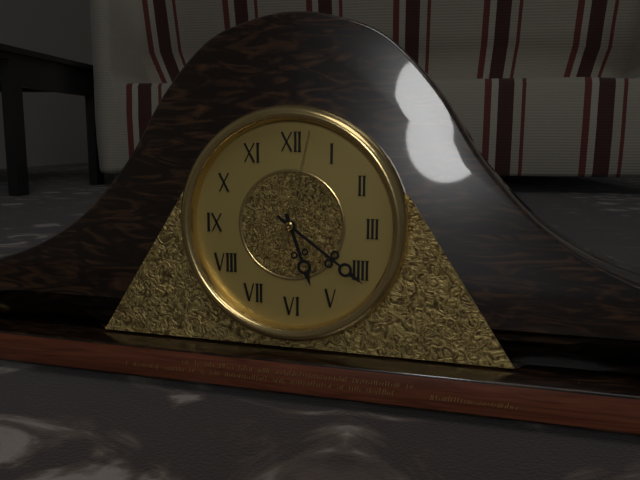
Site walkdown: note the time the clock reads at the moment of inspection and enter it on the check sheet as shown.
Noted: 5:21:02
